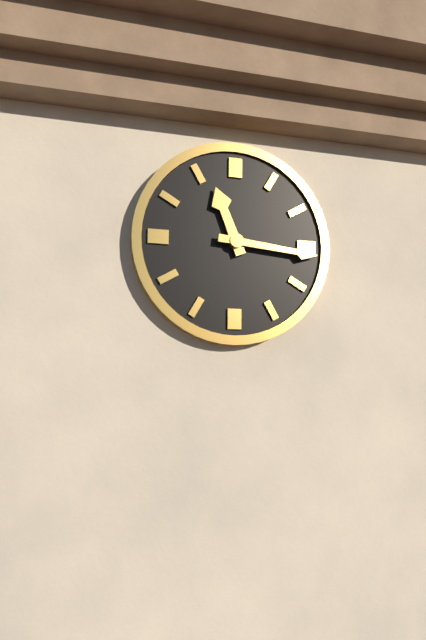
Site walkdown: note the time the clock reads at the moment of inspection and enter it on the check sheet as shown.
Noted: 11:16
